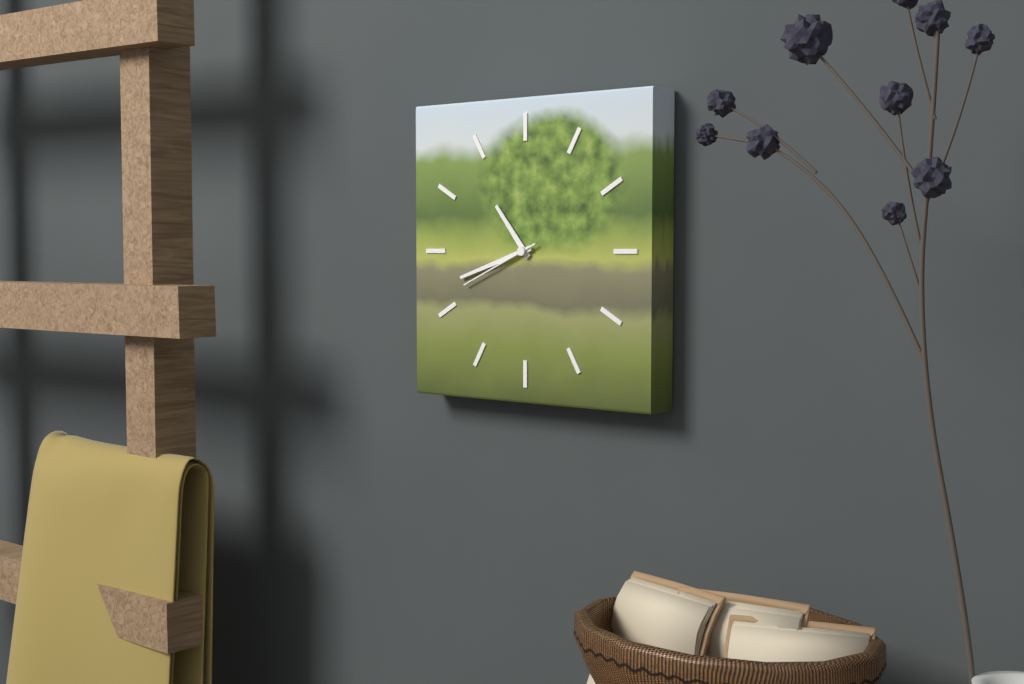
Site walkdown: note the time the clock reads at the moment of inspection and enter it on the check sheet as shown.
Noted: 10:42:41
